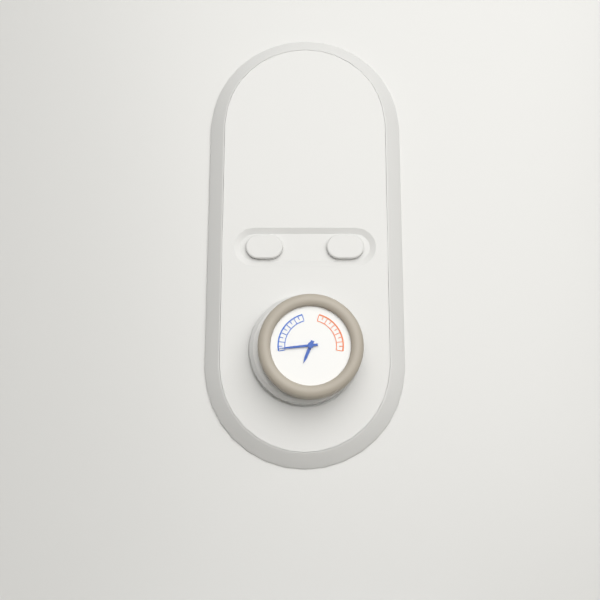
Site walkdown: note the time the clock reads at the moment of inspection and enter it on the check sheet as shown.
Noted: 6:44
